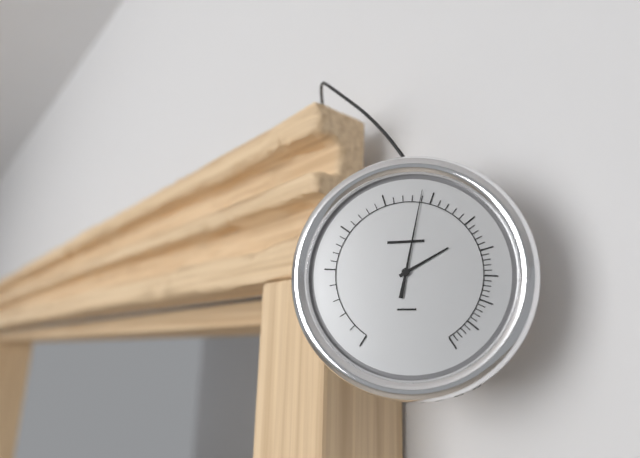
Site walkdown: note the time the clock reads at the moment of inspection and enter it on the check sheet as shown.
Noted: 2:02
